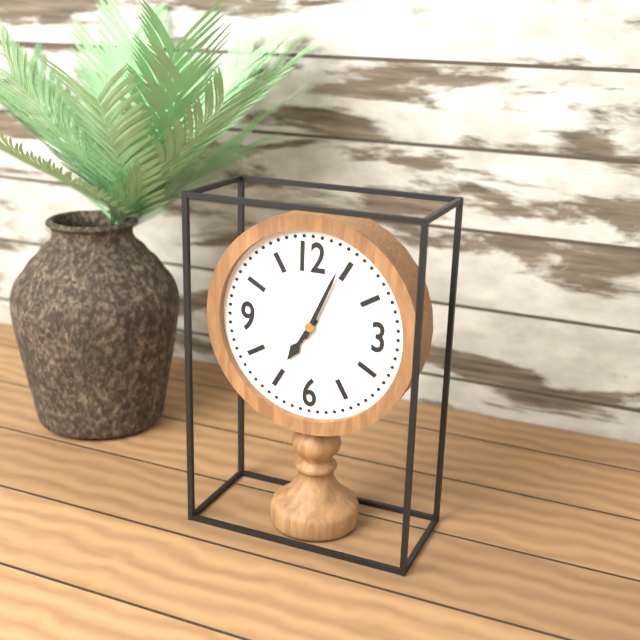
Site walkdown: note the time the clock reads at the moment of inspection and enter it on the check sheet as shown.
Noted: 7:04
